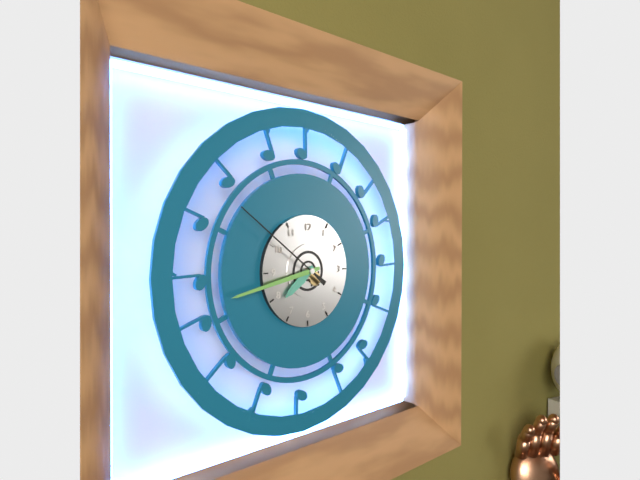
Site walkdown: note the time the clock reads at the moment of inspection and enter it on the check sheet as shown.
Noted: 7:43:51
